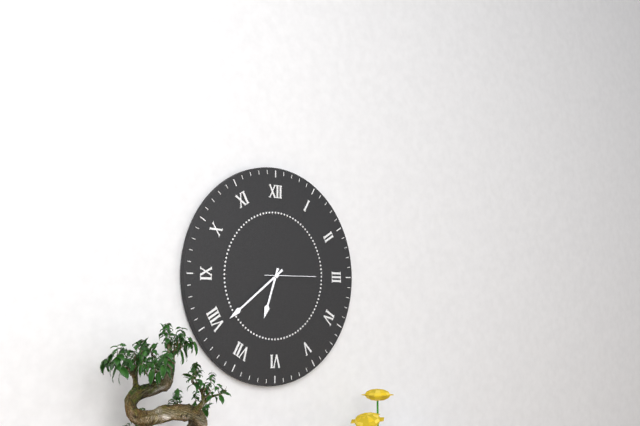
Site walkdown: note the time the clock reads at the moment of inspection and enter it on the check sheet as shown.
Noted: 6:39:15
